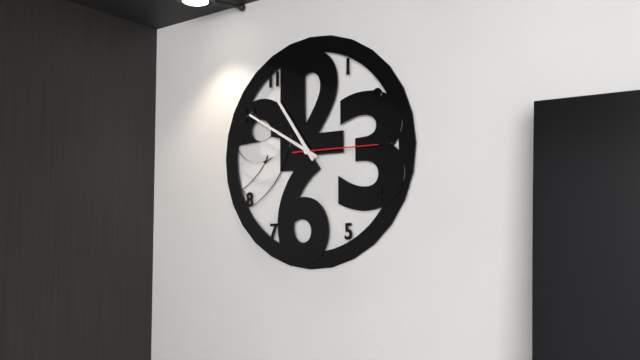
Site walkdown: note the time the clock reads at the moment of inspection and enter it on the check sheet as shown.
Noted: 10:50:15
